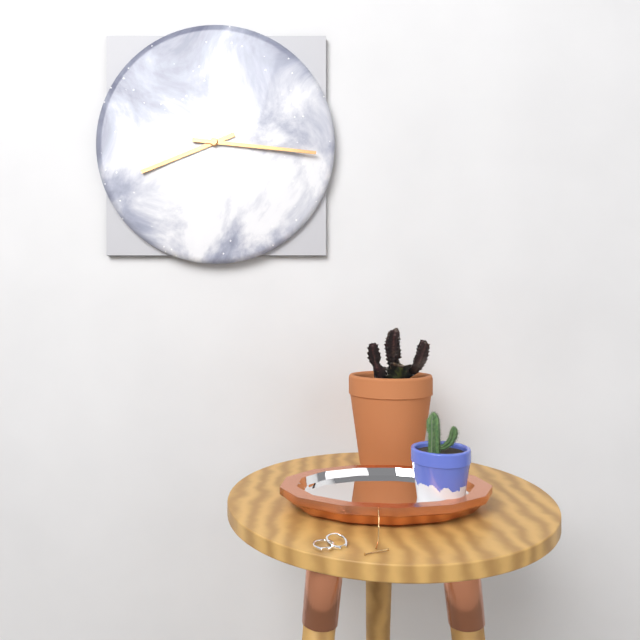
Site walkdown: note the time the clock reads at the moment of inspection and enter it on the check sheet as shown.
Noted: 8:16
